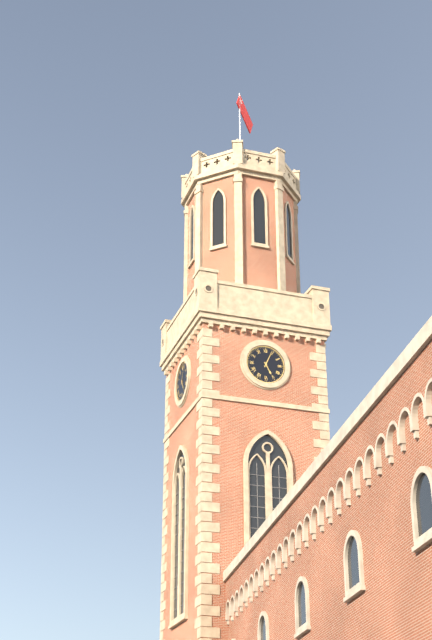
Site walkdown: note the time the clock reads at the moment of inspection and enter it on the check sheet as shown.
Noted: 5:04
